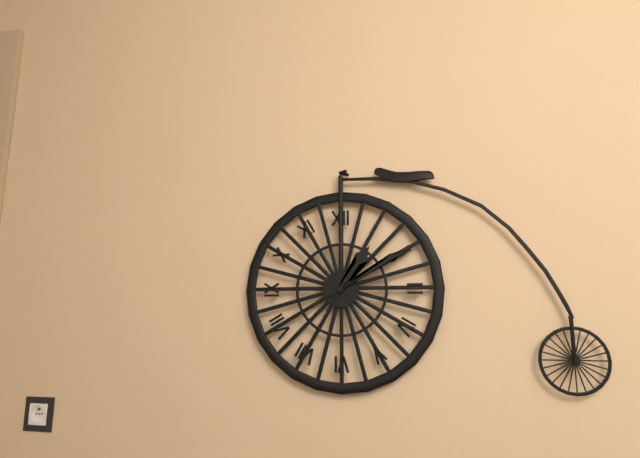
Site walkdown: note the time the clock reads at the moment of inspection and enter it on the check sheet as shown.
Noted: 1:10
